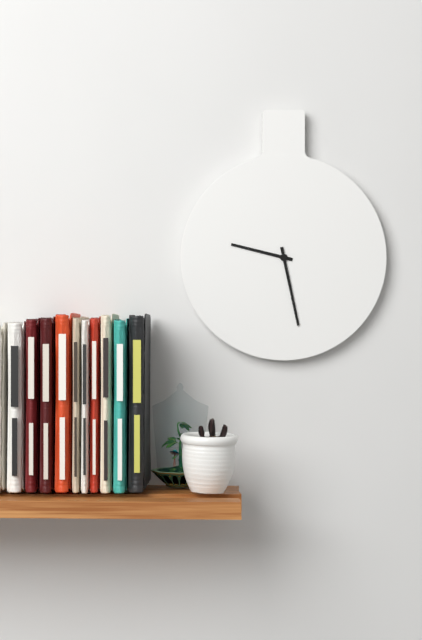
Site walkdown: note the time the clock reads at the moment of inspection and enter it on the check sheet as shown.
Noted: 9:28
